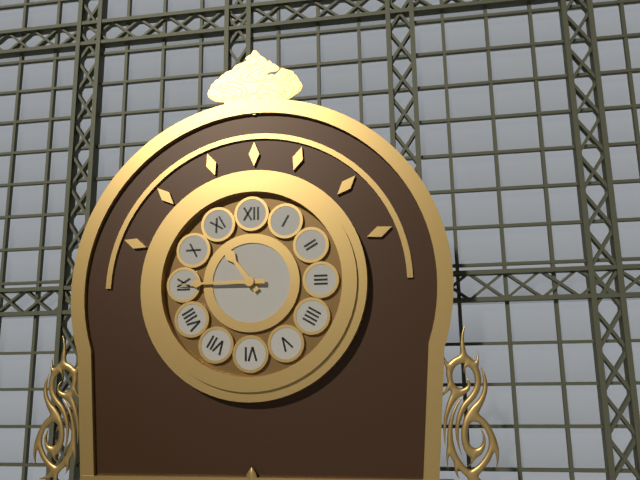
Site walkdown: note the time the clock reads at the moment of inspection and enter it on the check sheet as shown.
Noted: 10:45
